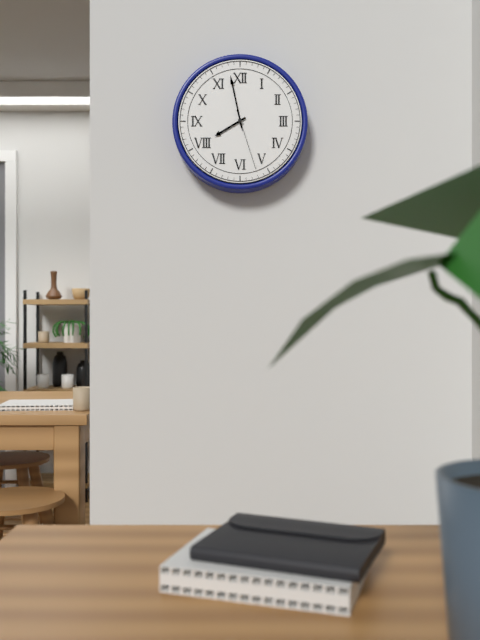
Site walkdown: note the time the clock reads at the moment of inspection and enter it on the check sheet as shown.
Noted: 7:58:27
